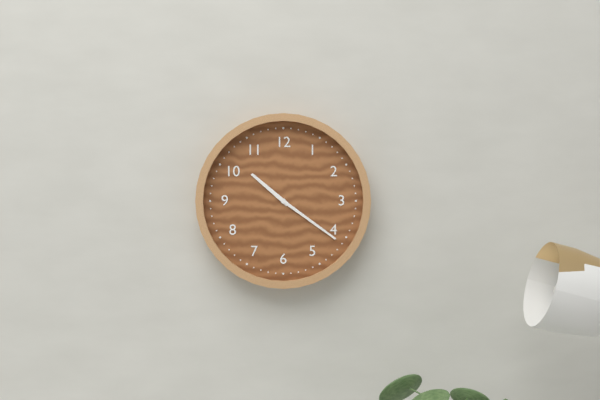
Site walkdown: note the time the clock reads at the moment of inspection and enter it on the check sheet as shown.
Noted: 10:21
